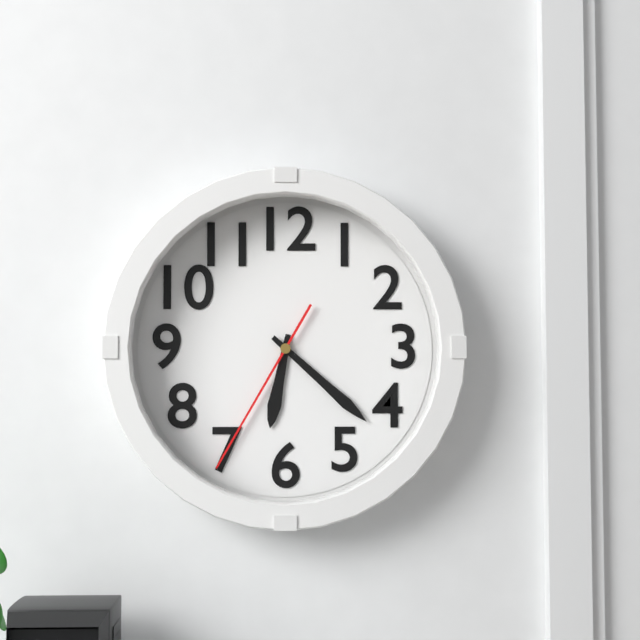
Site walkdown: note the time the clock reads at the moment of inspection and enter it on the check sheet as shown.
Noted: 6:22:35
